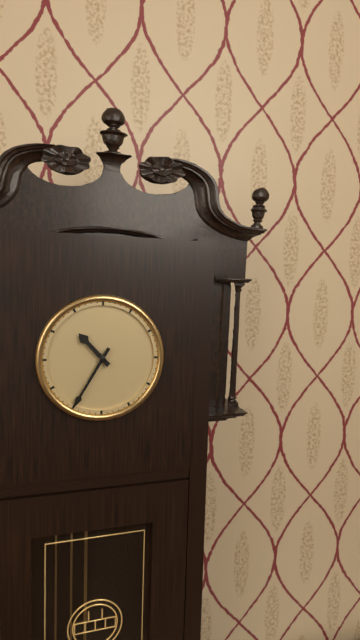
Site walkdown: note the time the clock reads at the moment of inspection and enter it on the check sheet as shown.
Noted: 10:35
